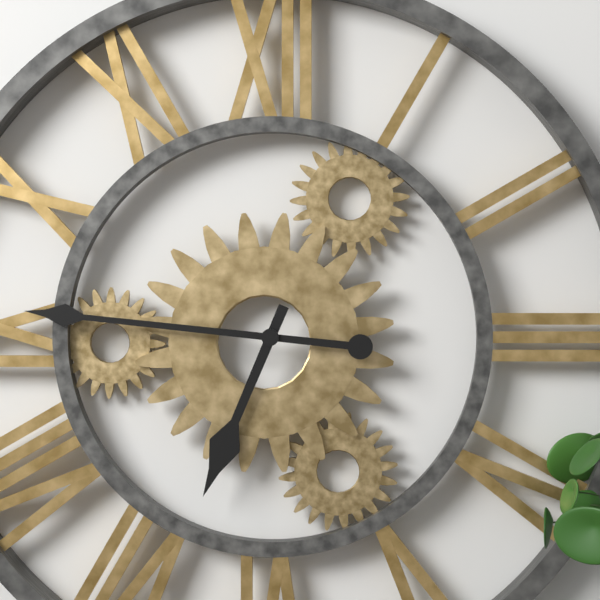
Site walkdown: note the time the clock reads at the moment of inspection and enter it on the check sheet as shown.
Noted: 6:46
